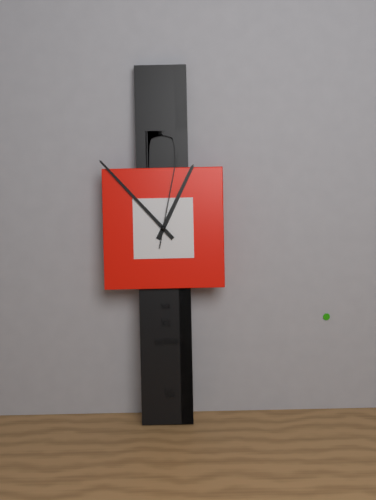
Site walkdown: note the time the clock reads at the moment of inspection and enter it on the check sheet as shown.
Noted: 12:53:02
